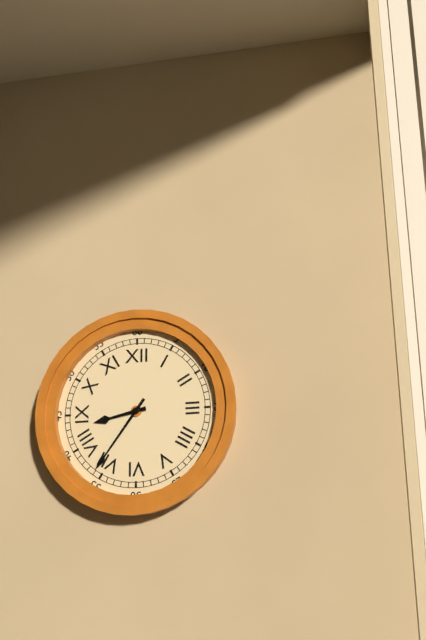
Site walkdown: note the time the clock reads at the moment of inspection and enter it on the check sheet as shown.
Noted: 8:36
